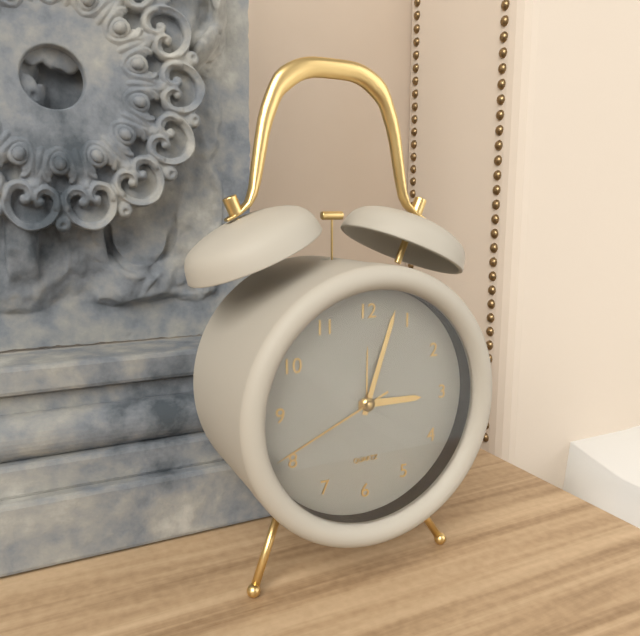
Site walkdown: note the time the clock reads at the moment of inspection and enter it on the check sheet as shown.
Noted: 3:03:41
